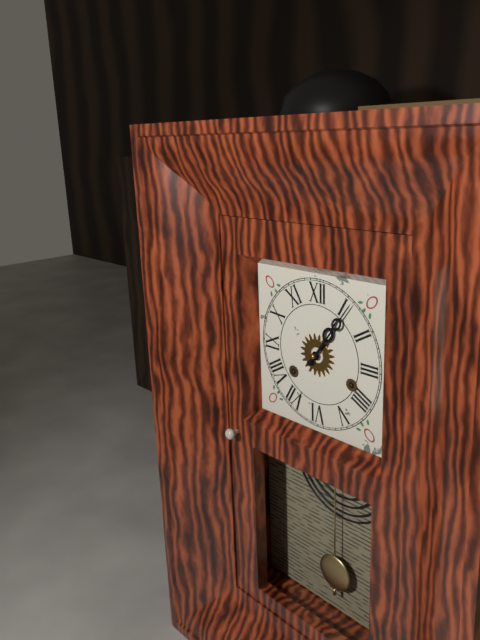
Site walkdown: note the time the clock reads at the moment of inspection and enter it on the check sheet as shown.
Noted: 1:06
